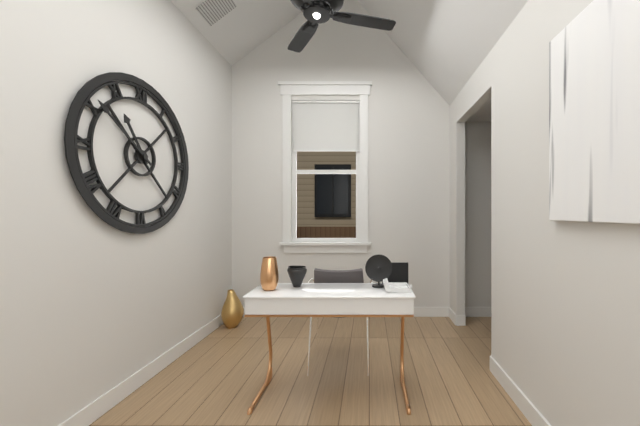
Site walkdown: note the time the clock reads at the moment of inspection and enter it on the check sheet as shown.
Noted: 10:51
